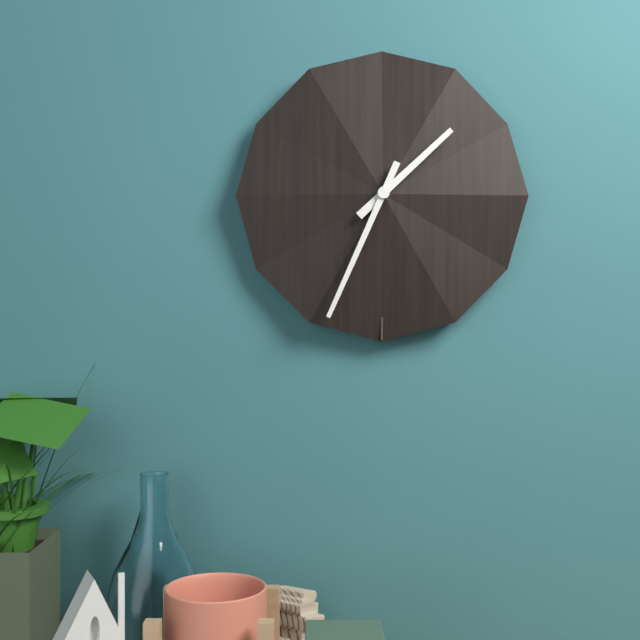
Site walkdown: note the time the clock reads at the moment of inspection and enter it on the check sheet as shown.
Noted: 1:34
